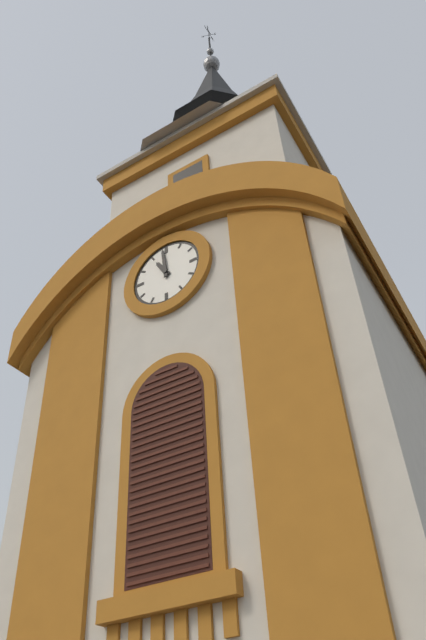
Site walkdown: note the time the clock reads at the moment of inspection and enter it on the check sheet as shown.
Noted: 10:59
